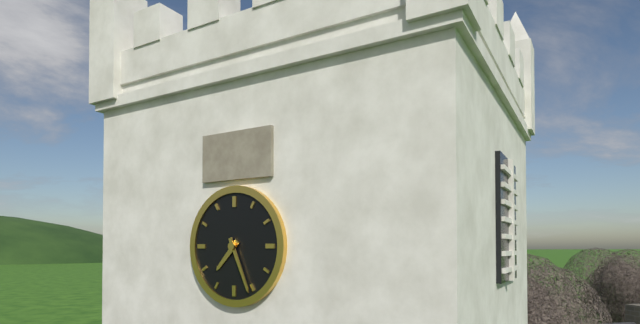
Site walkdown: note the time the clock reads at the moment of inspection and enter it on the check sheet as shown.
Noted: 7:26
